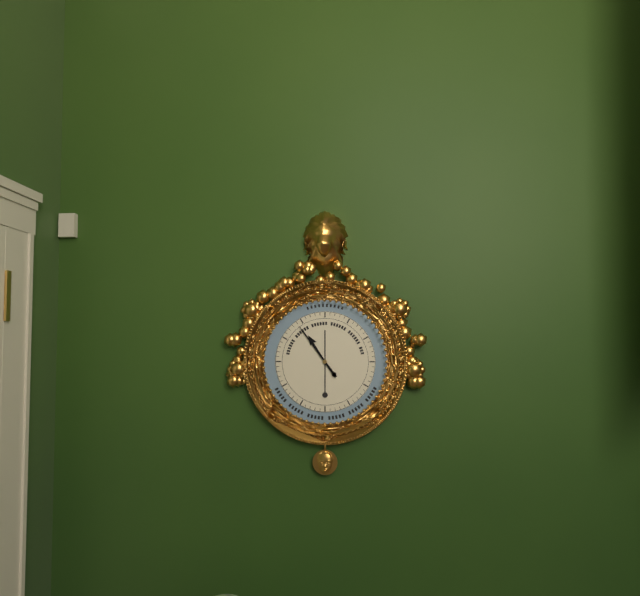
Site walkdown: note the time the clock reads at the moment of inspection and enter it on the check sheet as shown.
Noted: 10:54
